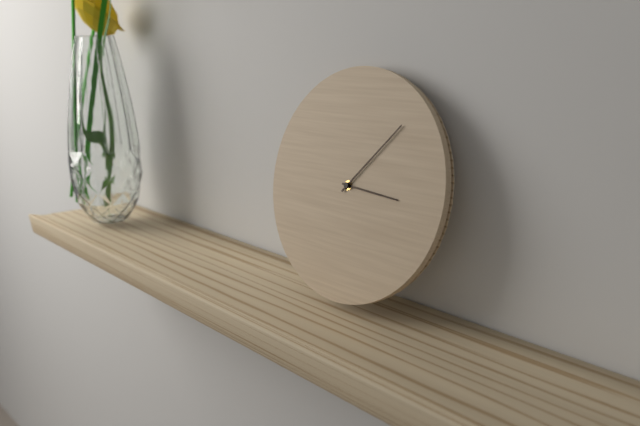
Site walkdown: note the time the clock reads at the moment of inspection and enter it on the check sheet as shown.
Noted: 3:07
